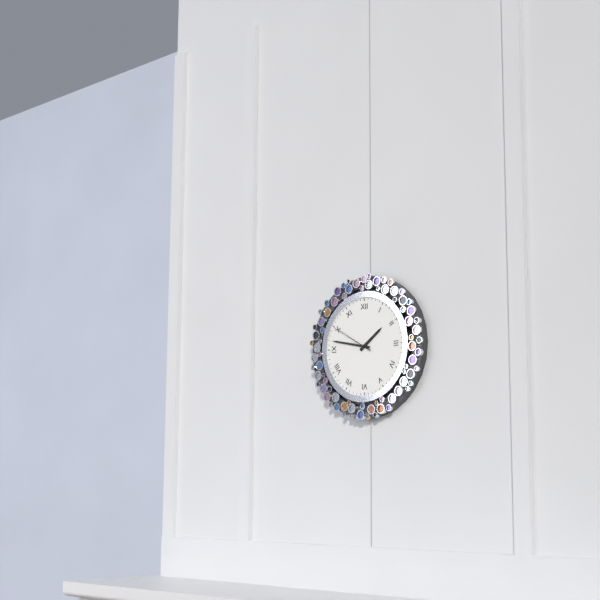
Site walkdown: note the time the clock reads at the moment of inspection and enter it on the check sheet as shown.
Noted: 1:47
